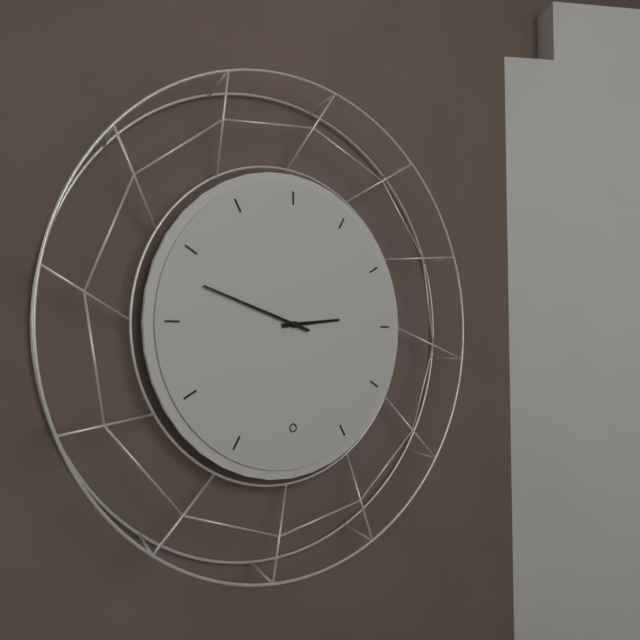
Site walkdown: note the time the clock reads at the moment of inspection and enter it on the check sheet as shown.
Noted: 2:48
